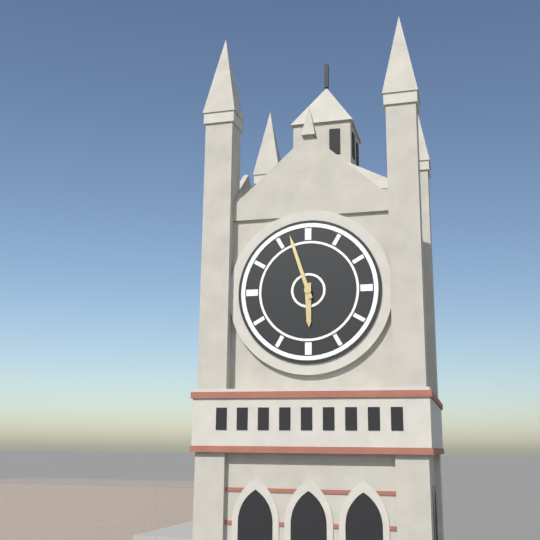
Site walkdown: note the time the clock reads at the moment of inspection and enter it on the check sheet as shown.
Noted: 5:57
